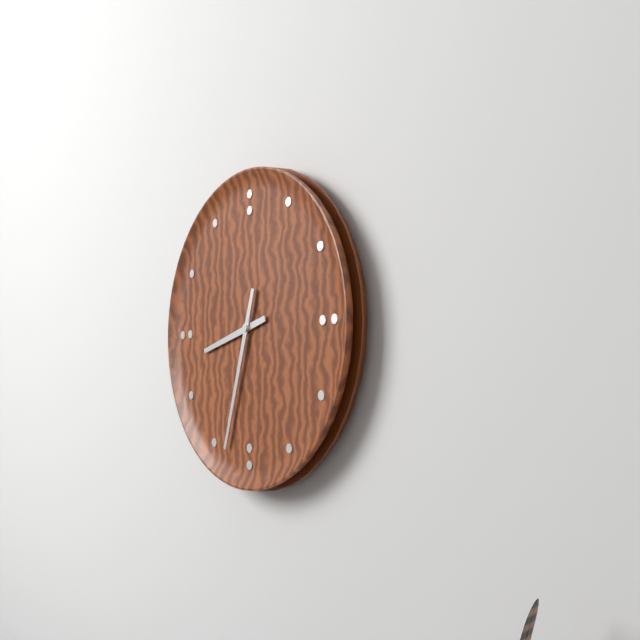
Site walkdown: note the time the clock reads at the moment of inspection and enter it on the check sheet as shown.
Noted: 8:33
